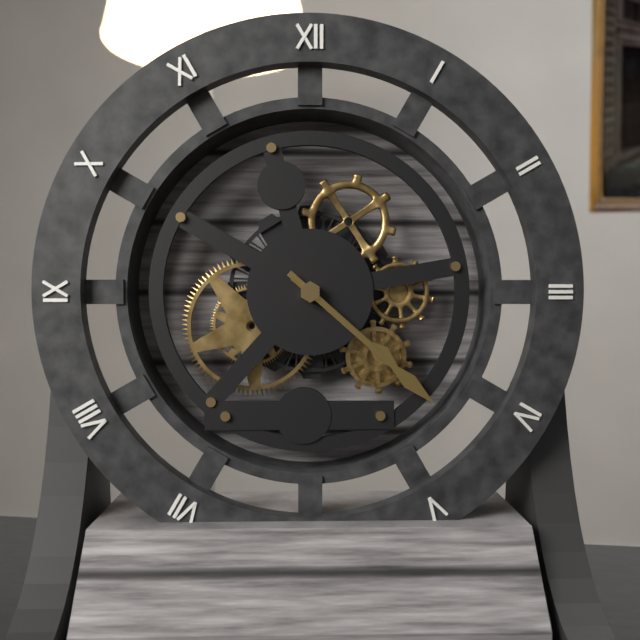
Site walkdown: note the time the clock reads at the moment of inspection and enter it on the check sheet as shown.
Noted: 4:22
